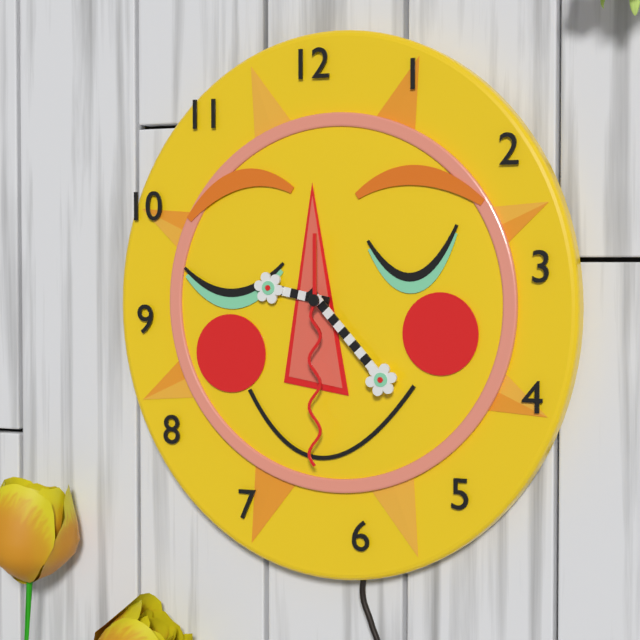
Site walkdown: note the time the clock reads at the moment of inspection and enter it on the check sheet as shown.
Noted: 9:23:30
